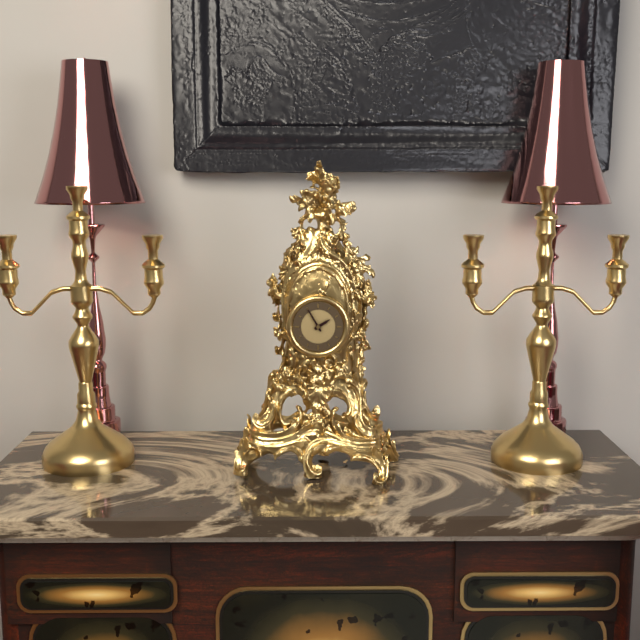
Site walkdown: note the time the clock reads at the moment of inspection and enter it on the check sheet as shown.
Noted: 1:55
